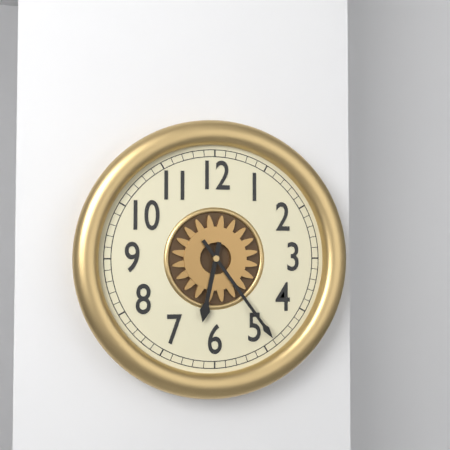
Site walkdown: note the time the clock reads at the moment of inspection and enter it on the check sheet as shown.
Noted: 6:24
